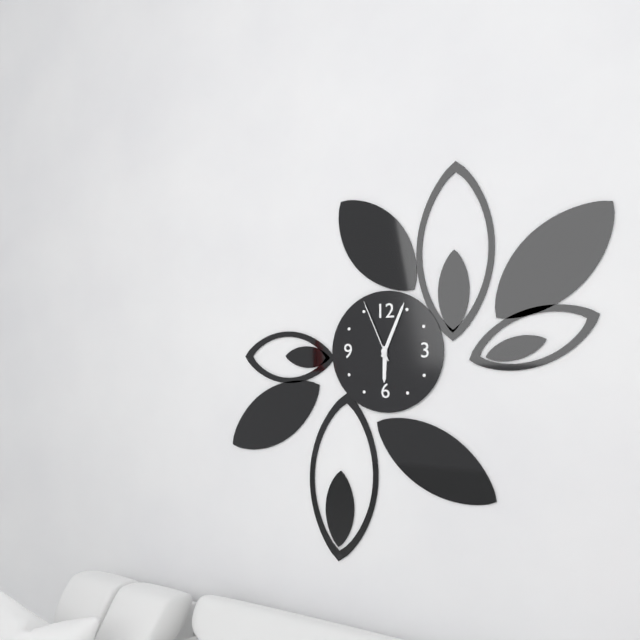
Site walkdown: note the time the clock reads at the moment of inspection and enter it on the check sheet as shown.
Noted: 6:04:56
